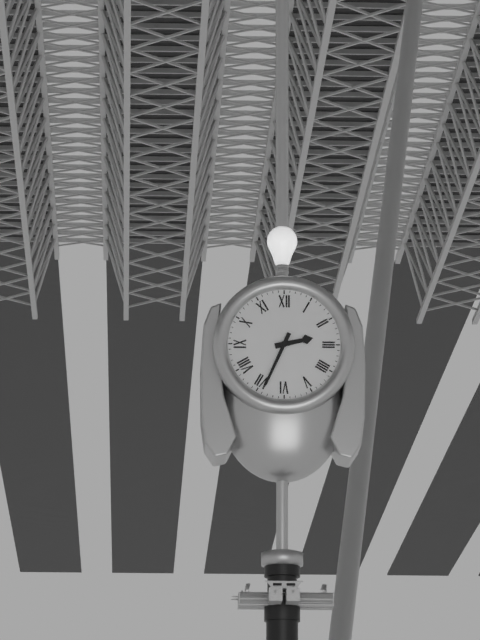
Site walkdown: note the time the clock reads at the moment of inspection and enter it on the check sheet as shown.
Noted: 2:34
